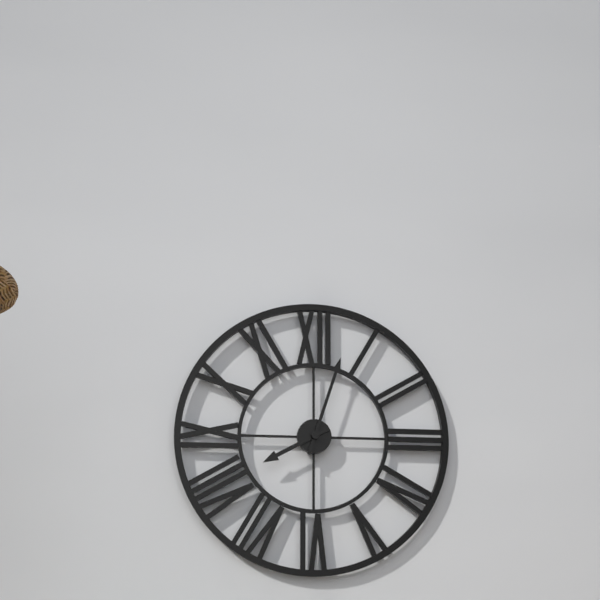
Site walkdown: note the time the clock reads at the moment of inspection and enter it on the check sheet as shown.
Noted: 8:03
